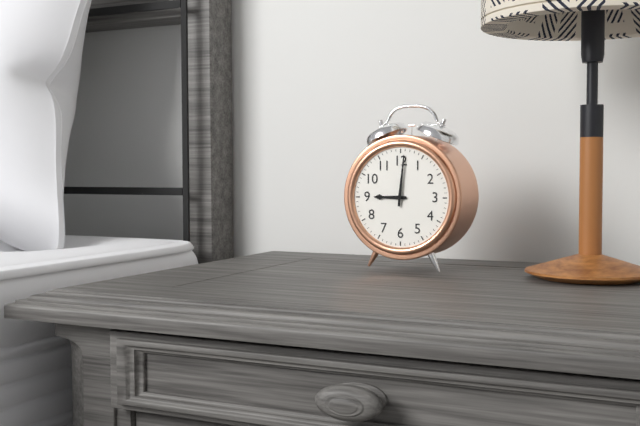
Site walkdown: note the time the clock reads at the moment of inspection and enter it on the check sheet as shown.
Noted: 9:01
